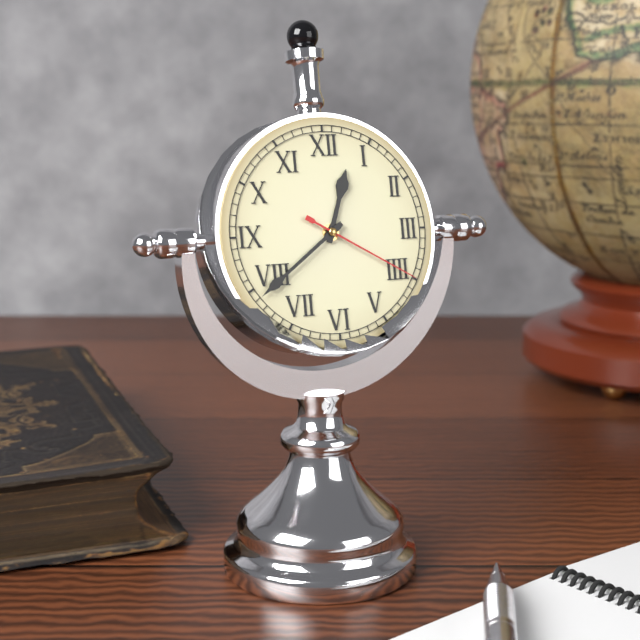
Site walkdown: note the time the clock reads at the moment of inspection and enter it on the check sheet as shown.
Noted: 12:39:20
